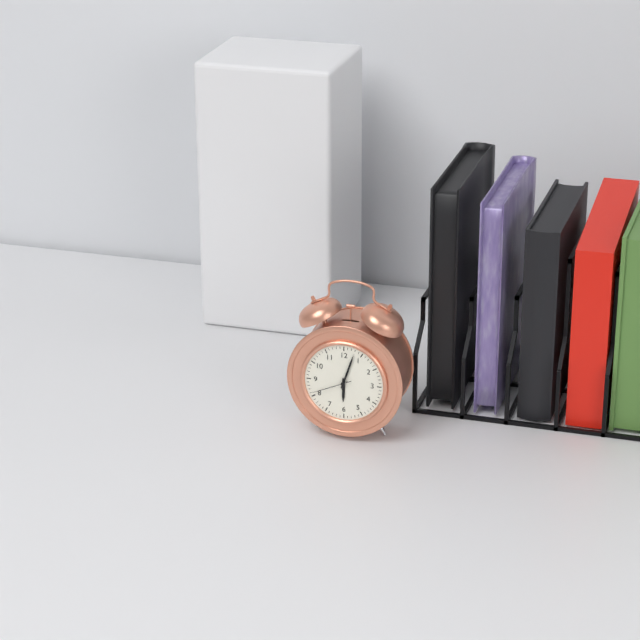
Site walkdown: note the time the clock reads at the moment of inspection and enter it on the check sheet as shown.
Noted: 6:03
